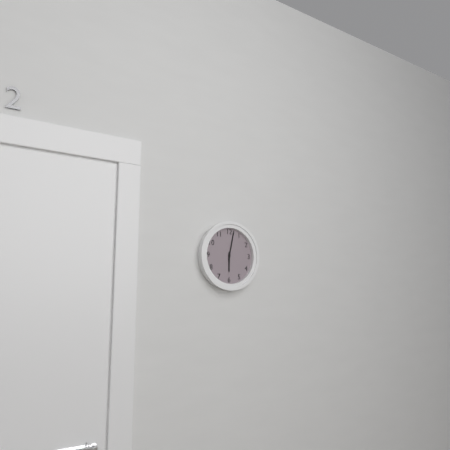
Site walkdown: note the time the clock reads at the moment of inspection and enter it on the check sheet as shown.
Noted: 6:02
